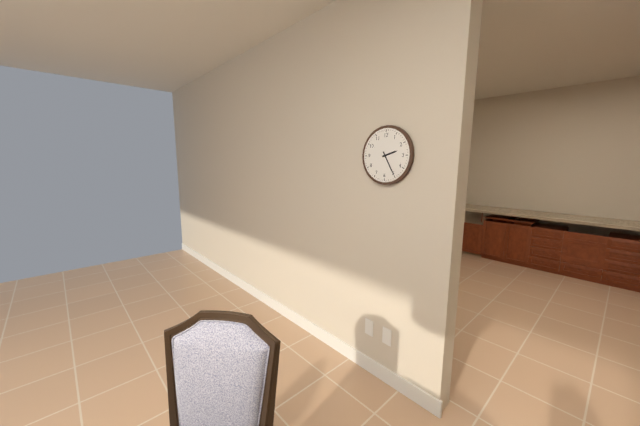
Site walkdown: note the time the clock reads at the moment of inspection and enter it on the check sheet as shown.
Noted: 2:25
